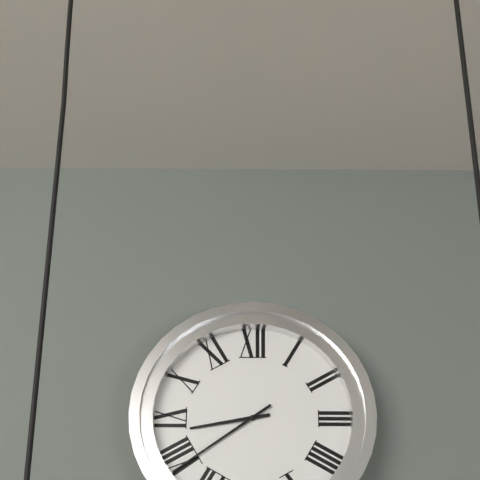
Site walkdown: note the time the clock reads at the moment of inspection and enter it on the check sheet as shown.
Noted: 8:39
